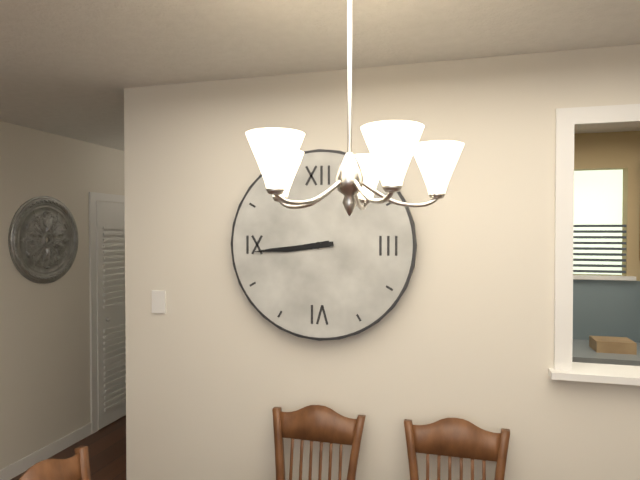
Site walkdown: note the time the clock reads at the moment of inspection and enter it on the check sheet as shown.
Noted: 8:44
